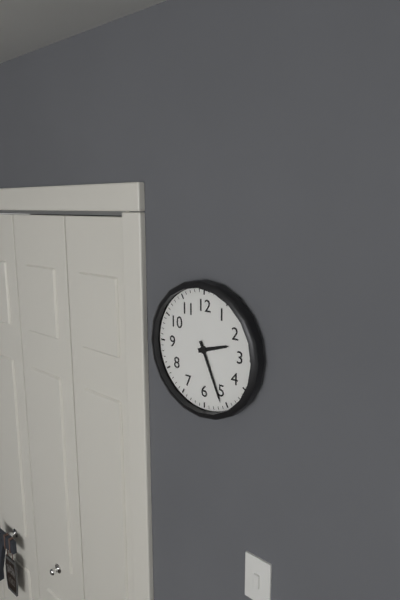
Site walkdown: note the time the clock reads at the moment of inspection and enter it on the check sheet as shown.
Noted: 2:26
